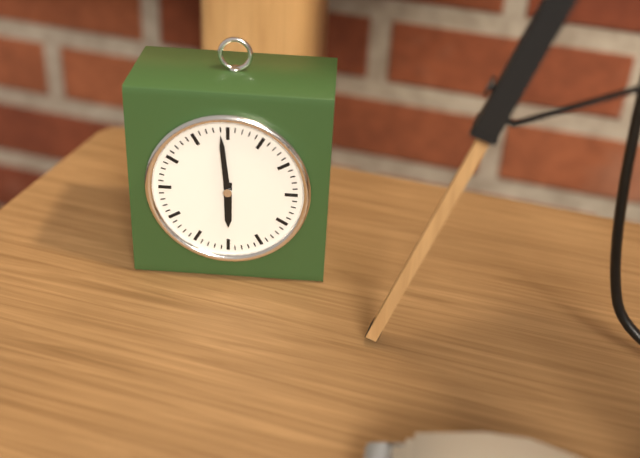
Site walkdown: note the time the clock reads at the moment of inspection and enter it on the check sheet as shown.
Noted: 5:59
